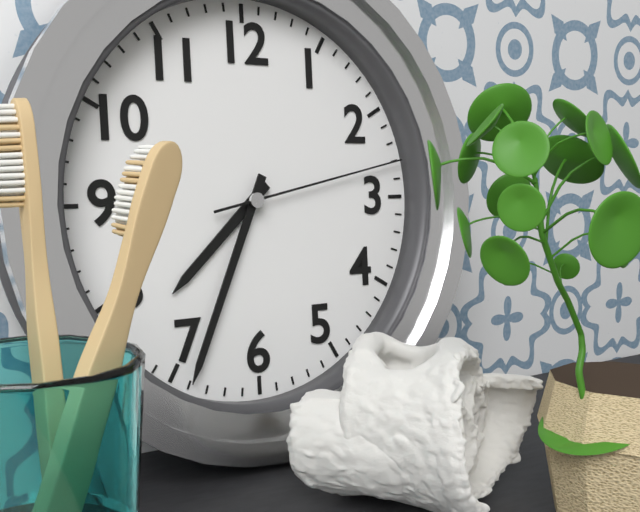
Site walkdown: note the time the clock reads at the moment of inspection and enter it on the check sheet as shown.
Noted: 7:34:13
